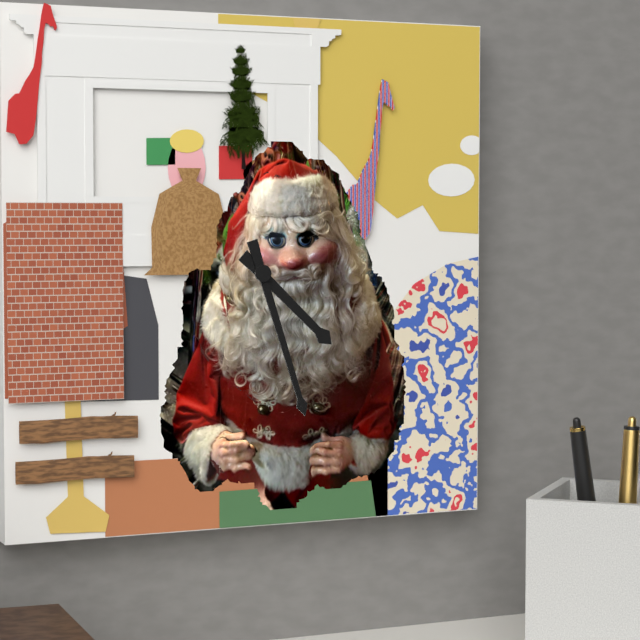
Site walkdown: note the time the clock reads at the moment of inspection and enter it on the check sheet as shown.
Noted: 4:27
